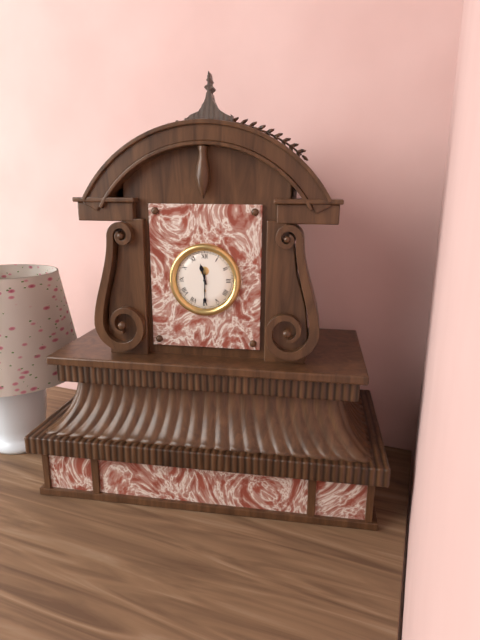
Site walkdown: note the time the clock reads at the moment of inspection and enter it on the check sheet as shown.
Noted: 11:30
